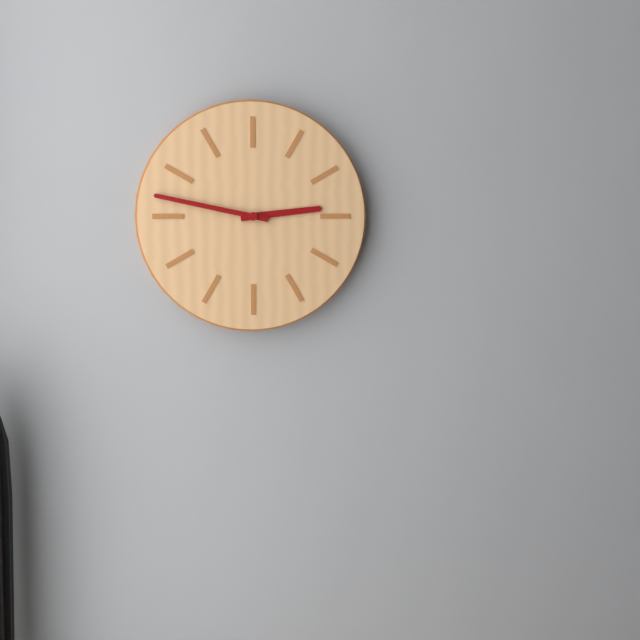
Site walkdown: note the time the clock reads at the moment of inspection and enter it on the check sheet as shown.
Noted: 2:47
